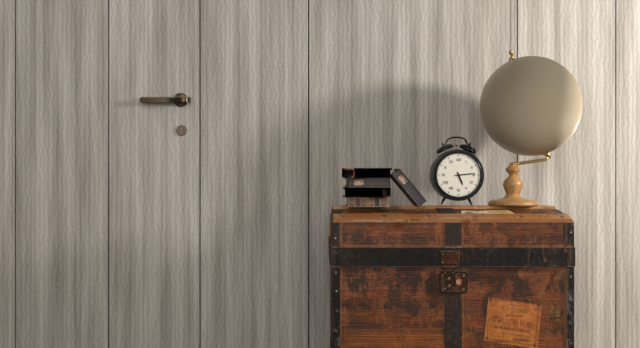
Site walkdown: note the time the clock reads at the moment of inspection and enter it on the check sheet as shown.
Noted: 5:14
